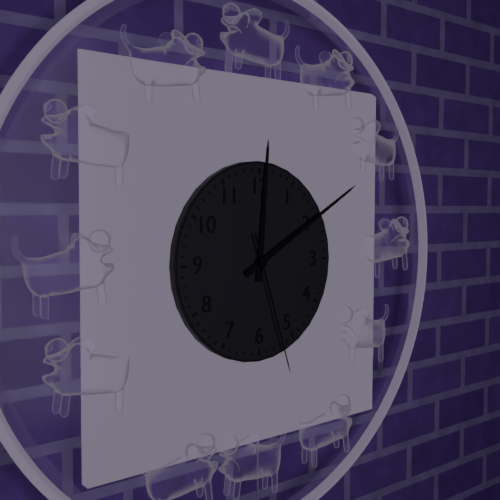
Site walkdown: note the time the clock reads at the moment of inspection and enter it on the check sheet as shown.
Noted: 12:10:27
